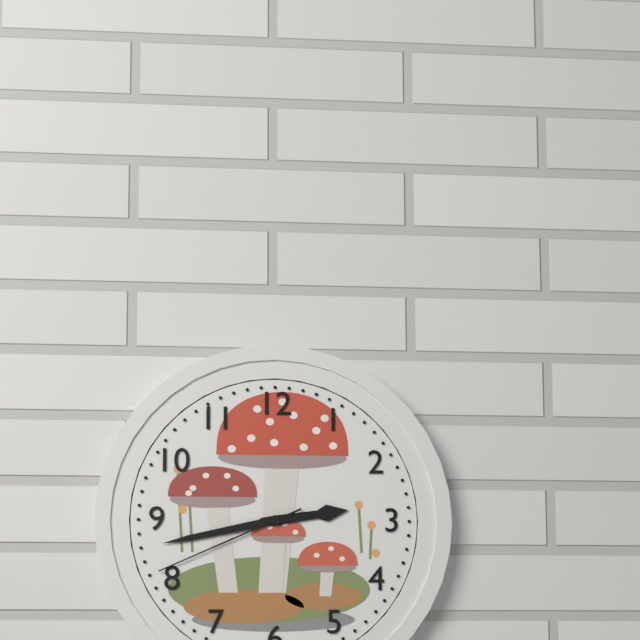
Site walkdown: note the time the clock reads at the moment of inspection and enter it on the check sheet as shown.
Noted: 2:43:41
